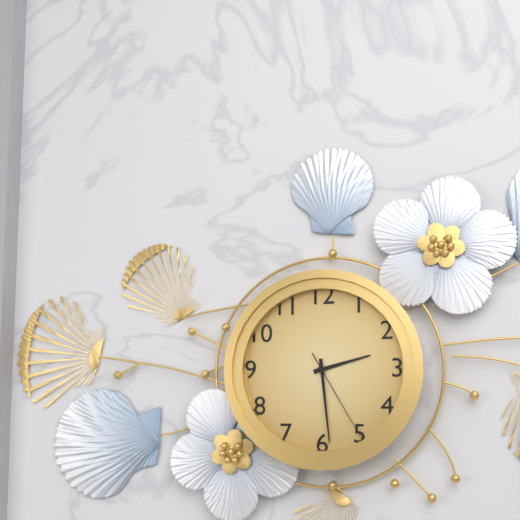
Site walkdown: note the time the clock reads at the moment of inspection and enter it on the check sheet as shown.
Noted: 2:29:25
